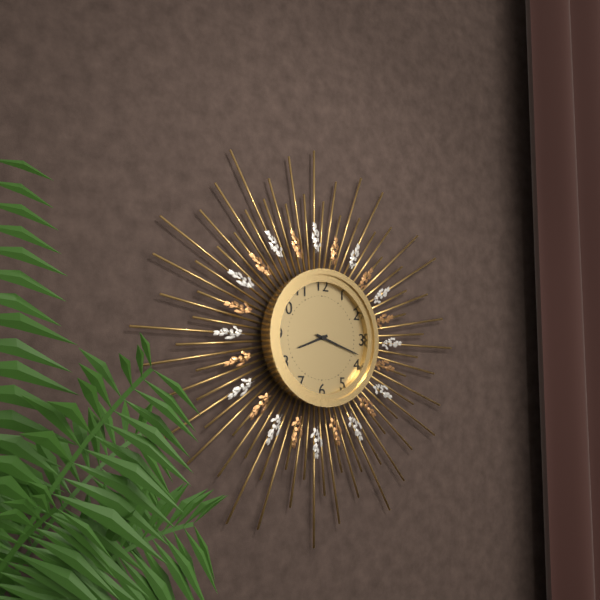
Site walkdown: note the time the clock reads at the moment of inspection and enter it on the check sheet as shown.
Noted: 8:18
